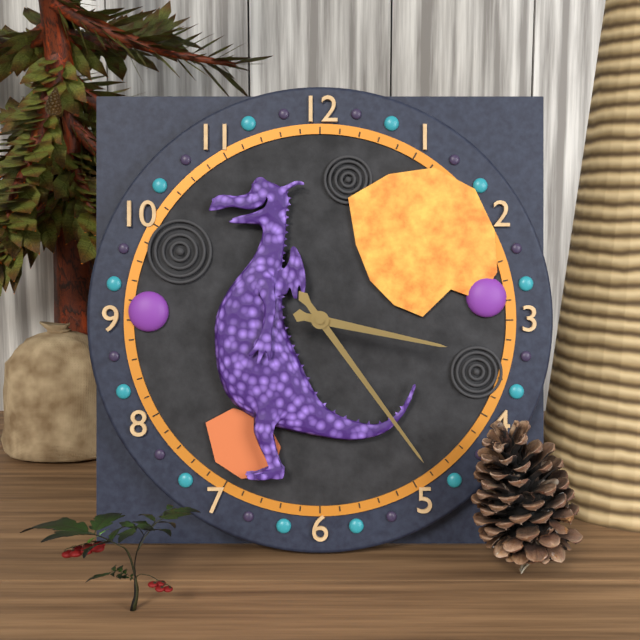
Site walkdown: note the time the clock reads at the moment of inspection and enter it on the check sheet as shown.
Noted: 3:24
